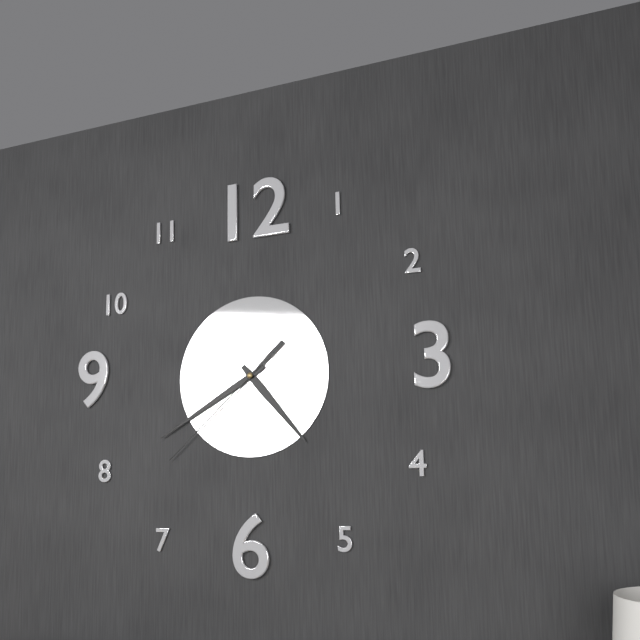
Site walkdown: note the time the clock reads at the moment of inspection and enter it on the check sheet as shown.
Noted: 4:40:38
